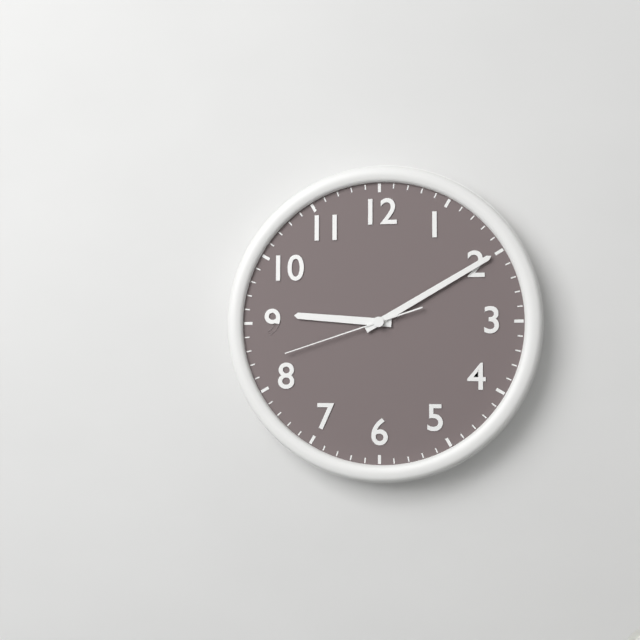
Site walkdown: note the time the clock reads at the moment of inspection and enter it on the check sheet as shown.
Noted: 9:10:42
